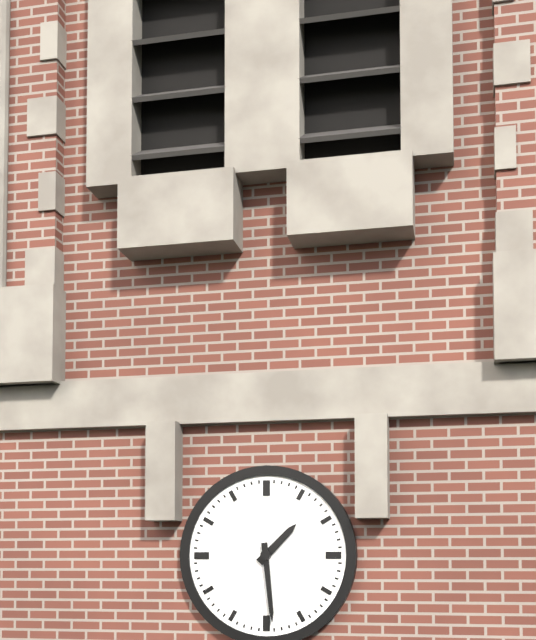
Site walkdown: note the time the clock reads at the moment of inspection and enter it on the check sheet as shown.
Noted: 1:29
